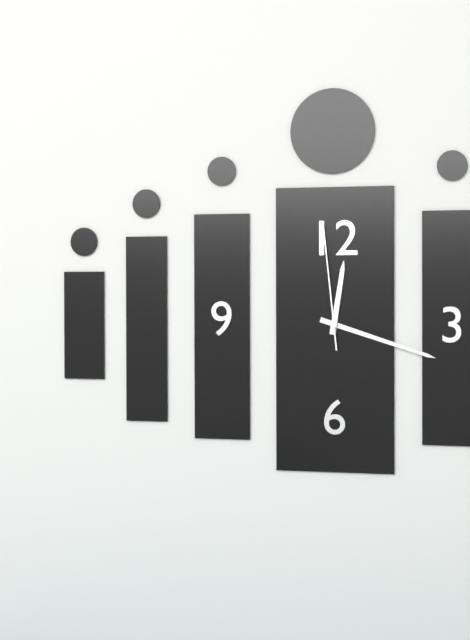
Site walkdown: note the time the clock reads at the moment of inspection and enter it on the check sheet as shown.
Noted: 12:18:59
